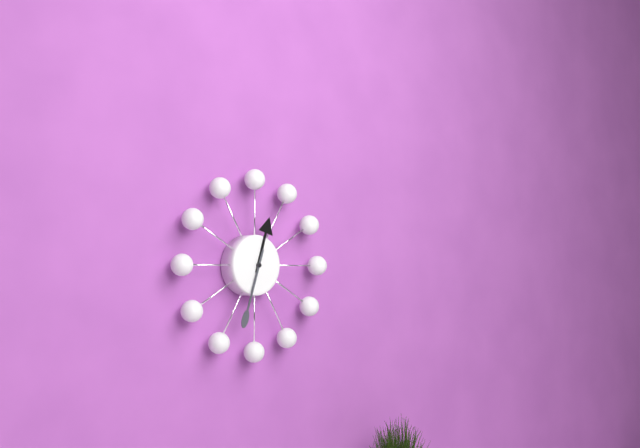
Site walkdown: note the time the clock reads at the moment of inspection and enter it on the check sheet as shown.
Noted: 12:33
